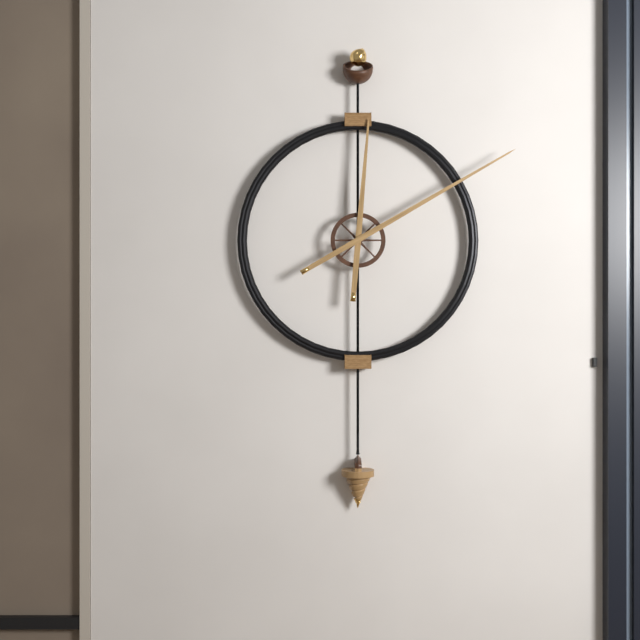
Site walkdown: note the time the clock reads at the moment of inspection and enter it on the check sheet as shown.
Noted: 12:10
